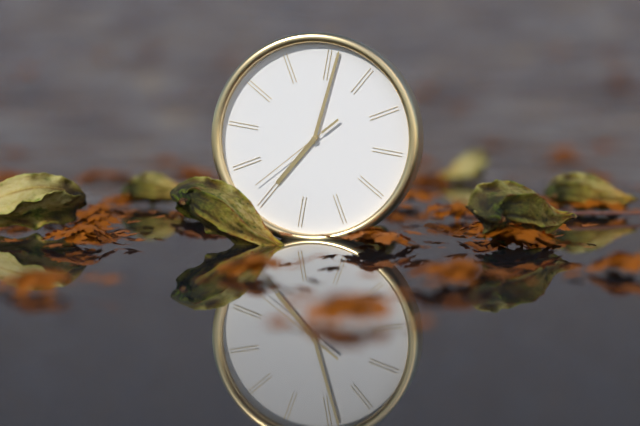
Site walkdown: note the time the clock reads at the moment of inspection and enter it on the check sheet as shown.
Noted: 7:01:37
